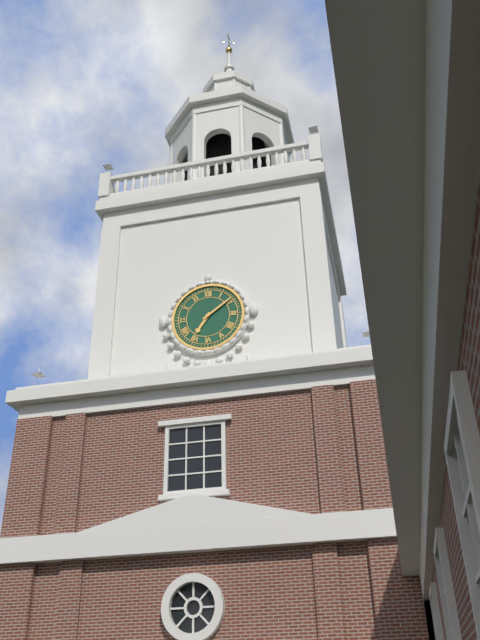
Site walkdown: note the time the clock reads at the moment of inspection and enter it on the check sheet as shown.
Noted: 7:09
